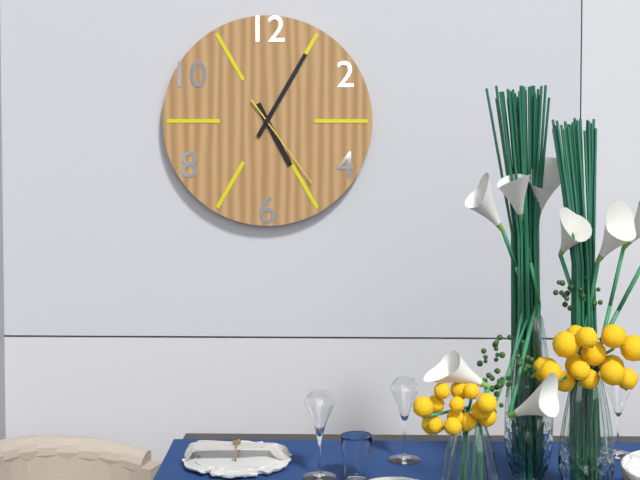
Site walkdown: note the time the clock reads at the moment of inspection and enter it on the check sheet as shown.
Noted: 5:05:24
